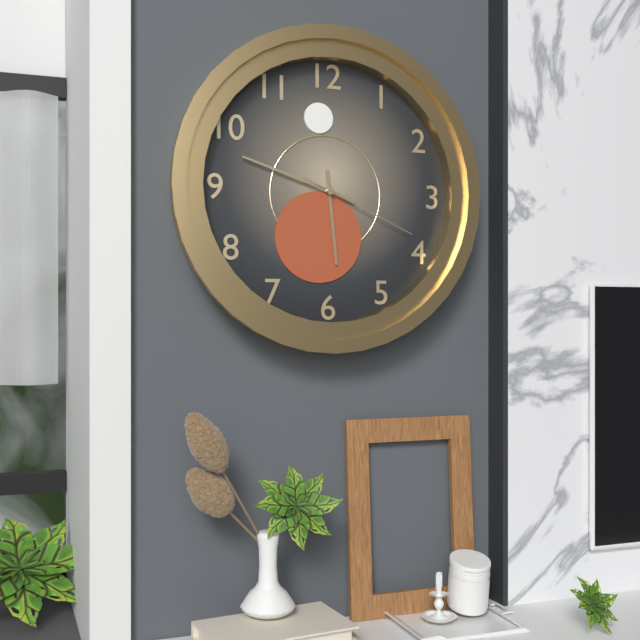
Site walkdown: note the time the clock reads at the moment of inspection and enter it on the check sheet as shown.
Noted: 5:48:19
